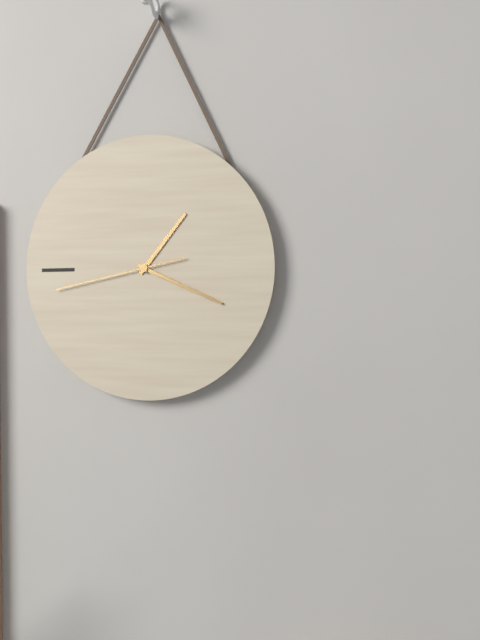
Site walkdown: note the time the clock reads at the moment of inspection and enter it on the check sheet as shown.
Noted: 1:19:43
